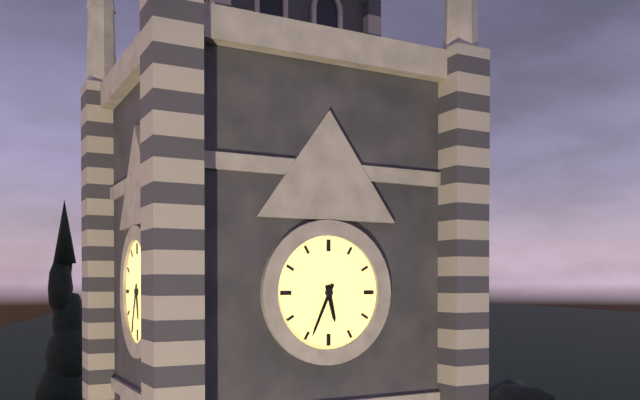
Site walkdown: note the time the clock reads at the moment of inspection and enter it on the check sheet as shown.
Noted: 5:34
